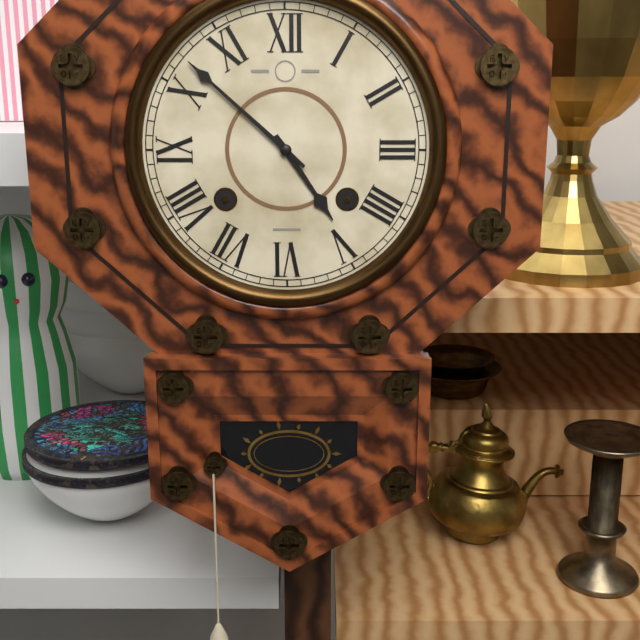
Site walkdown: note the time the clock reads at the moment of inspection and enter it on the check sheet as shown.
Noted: 4:52
